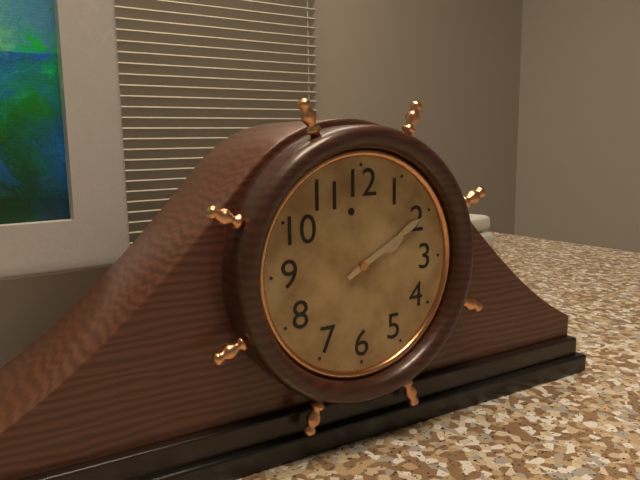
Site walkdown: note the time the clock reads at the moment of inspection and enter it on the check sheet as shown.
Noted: 2:10
